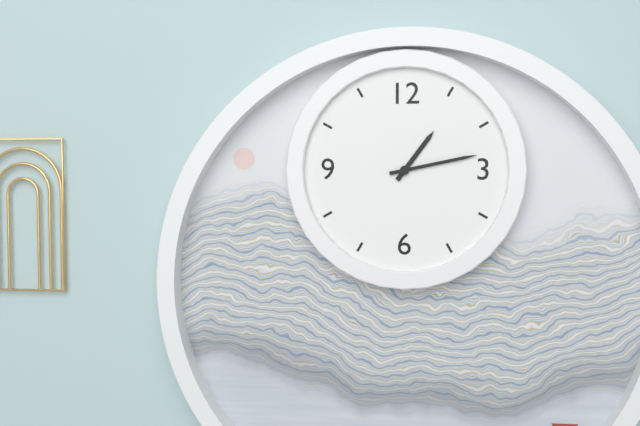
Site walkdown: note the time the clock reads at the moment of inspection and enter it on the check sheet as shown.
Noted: 1:13
